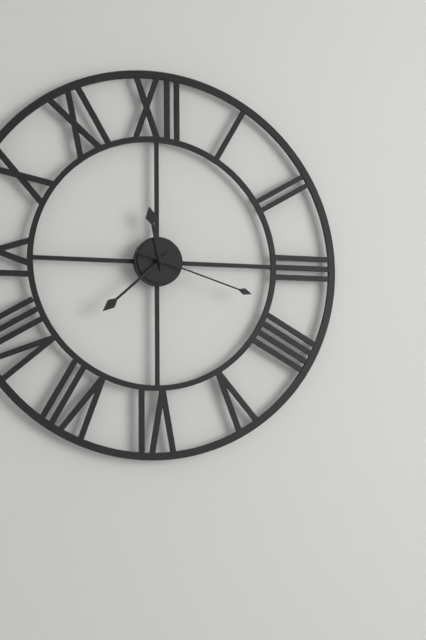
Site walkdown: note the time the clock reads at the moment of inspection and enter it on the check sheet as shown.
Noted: 11:38:18
